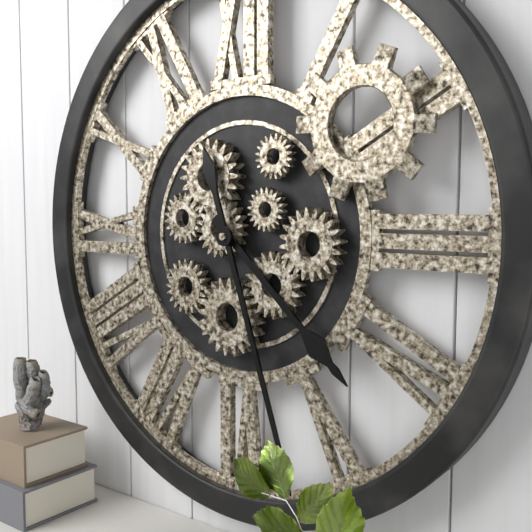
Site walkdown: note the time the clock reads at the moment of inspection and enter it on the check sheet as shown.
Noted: 4:27
